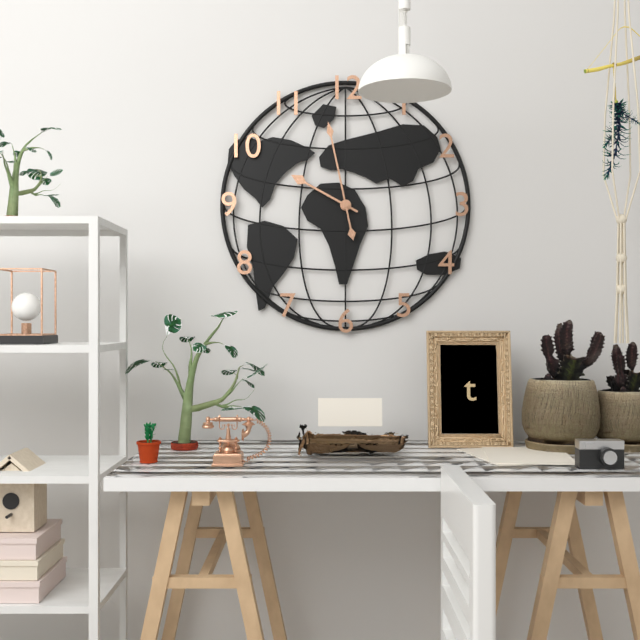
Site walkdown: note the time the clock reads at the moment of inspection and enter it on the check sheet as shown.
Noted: 9:58
